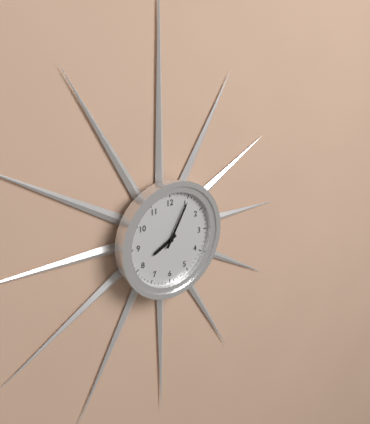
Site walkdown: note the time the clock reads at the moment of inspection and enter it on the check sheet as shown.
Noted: 8:05
